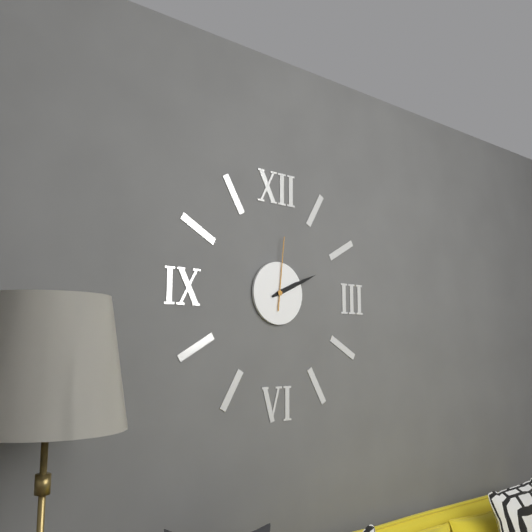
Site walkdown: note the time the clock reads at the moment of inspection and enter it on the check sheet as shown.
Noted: 2:11:01
